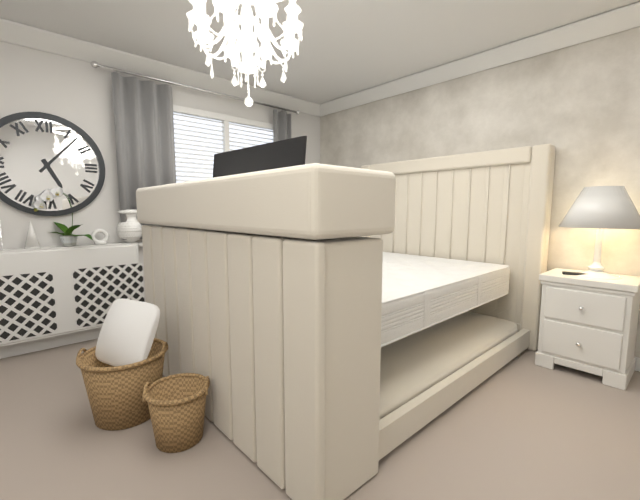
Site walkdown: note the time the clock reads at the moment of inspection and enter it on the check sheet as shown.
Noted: 5:07
